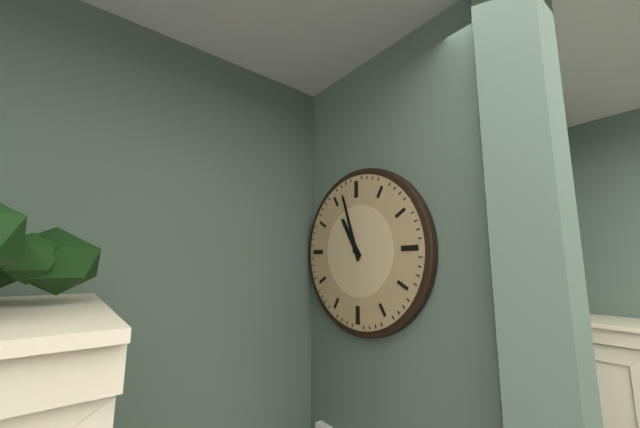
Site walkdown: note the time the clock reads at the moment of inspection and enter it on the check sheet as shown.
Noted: 10:57
